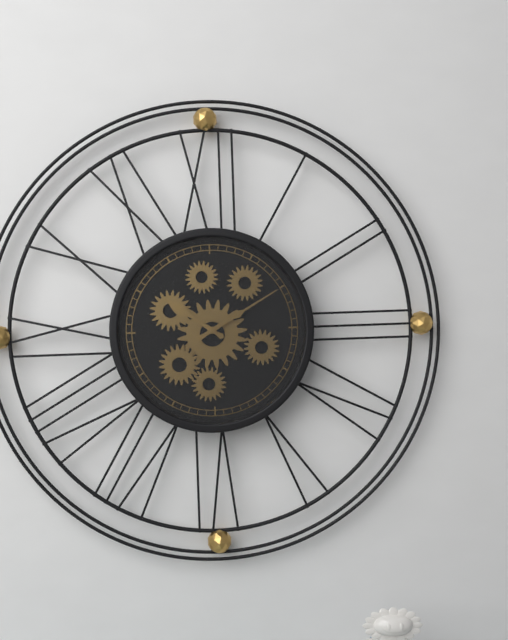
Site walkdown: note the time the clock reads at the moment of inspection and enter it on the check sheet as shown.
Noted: 10:10
